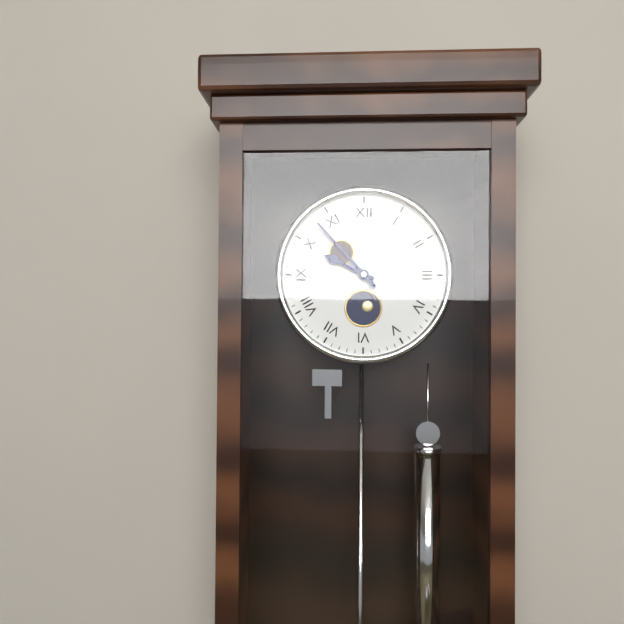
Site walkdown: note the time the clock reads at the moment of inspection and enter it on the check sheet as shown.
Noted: 9:53
